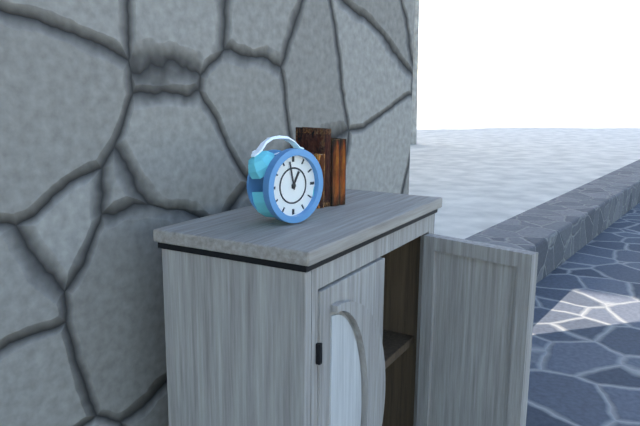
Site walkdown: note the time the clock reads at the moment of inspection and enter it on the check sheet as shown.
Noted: 12:58
